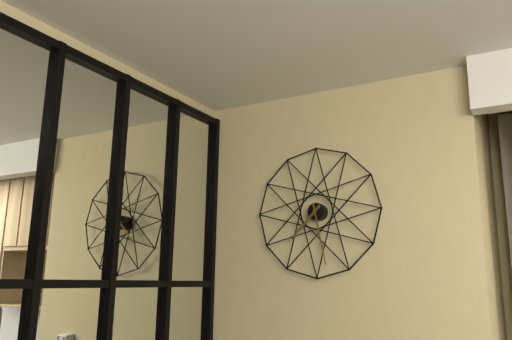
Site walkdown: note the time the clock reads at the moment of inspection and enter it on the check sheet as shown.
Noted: 7:28
